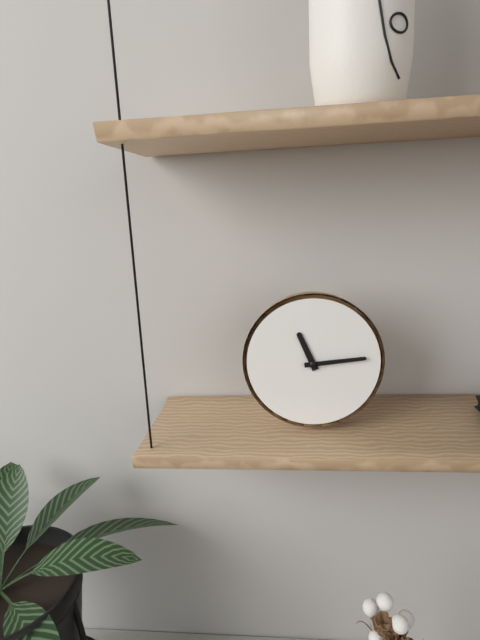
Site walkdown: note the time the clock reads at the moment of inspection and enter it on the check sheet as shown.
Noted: 11:14
